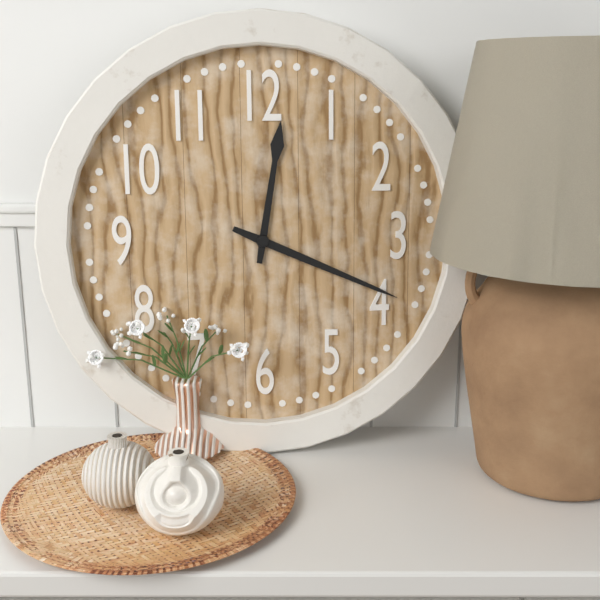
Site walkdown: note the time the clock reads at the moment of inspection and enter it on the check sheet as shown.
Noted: 12:19
